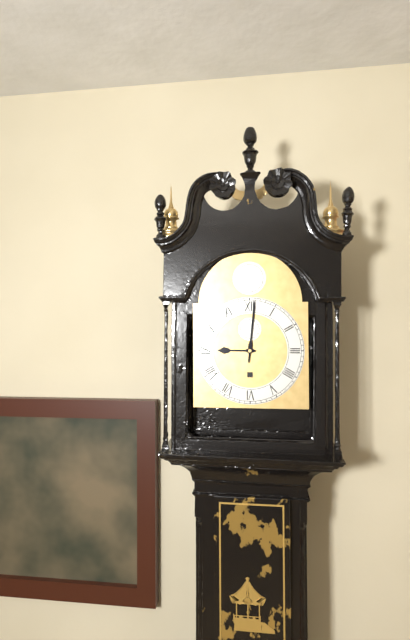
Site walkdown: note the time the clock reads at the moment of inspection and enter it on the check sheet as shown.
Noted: 9:01
